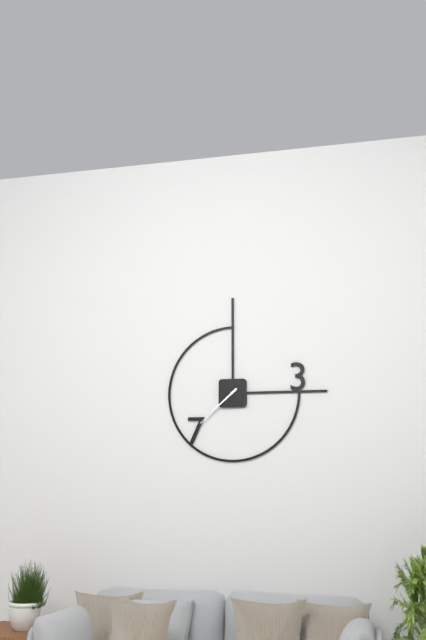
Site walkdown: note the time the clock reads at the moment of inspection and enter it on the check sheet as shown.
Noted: 7:38
